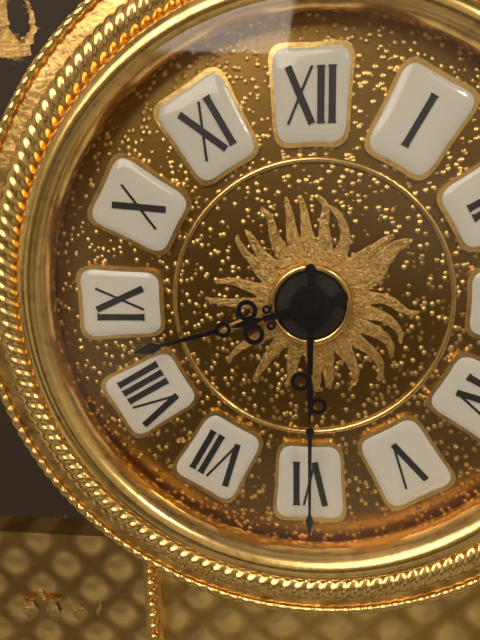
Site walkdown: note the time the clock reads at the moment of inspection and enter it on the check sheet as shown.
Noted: 8:30
